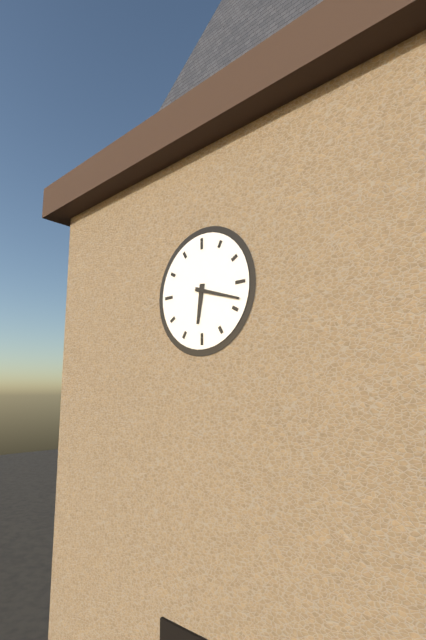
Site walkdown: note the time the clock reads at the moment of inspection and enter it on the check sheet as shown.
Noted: 6:18
